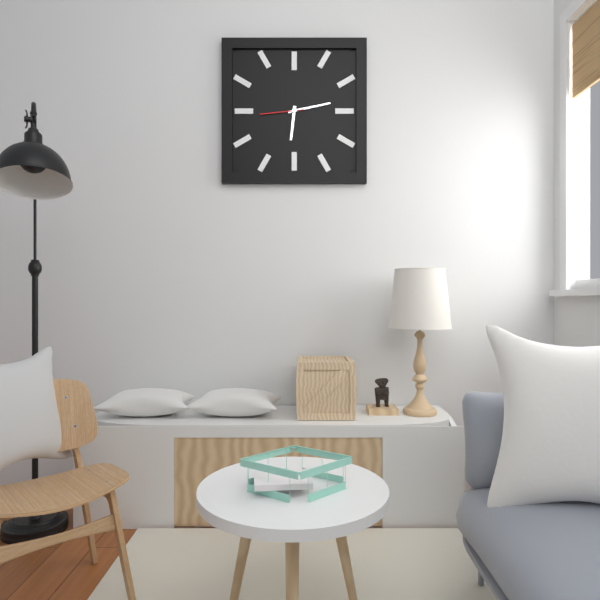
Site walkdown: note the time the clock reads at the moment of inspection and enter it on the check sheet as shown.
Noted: 6:13
